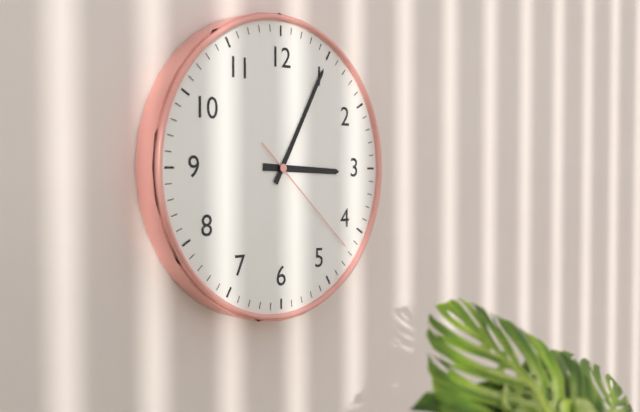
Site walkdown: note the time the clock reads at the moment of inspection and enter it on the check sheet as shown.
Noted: 3:05:22
